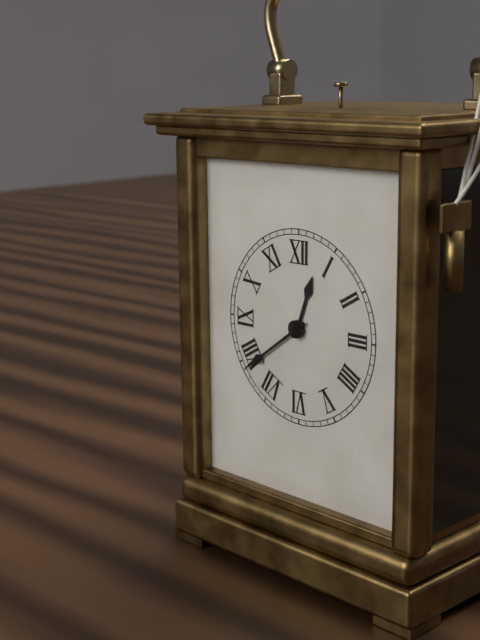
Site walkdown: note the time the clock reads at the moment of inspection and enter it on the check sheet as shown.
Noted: 12:39
